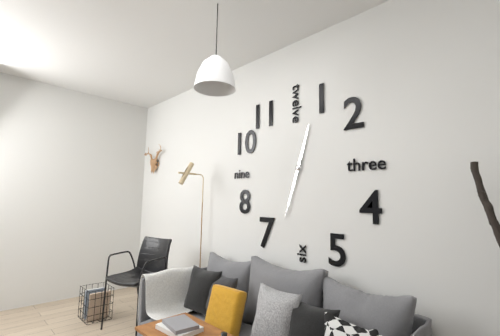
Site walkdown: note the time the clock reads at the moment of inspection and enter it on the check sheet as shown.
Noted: 12:33
